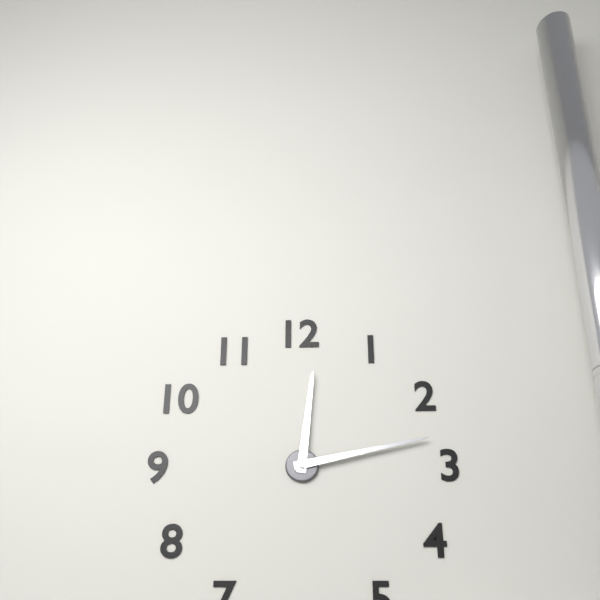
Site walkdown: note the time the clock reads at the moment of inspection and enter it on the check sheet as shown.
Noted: 12:13
